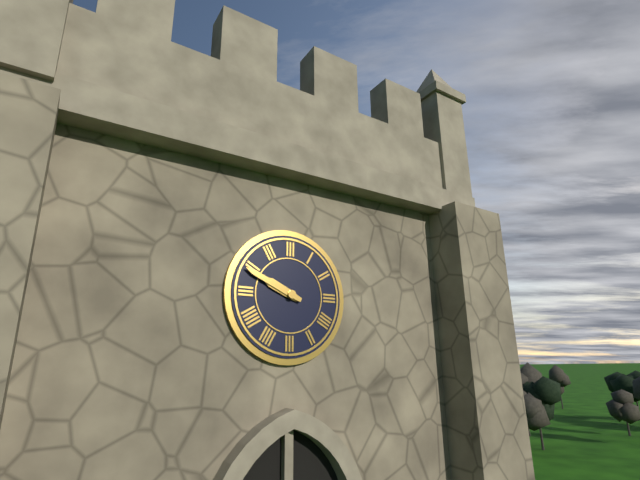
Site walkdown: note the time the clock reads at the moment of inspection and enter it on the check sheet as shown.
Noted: 9:49
